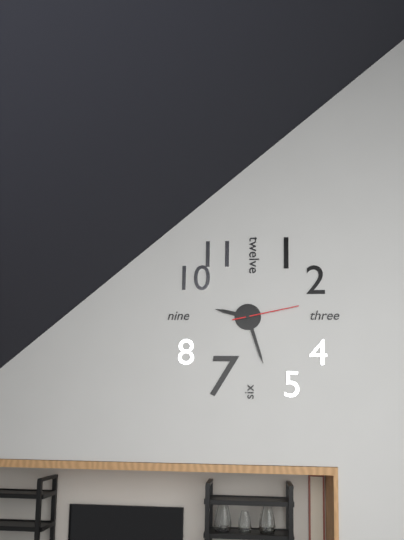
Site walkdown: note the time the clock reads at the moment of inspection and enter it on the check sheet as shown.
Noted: 9:27:13
